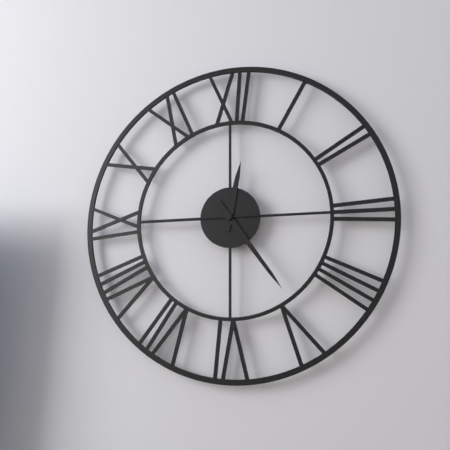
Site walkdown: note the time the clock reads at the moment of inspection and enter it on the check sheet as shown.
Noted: 12:24:45
